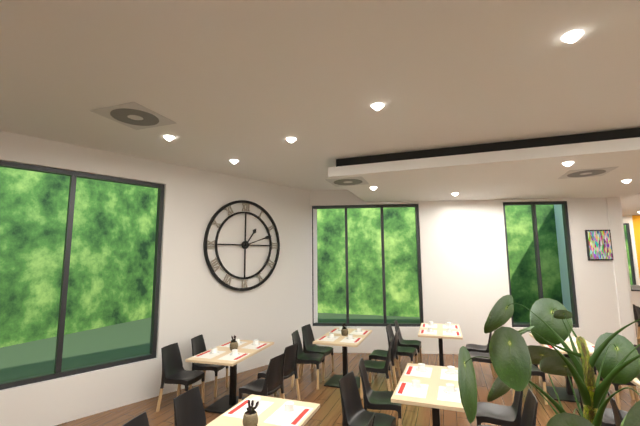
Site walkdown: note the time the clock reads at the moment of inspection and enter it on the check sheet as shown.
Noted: 1:12
